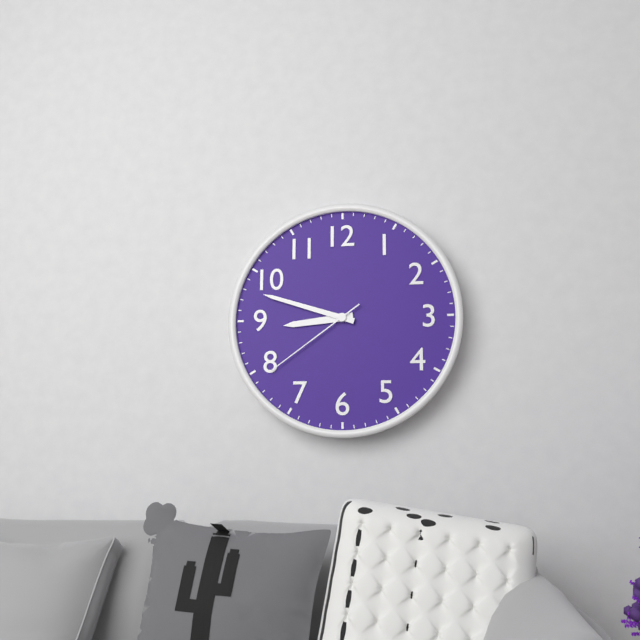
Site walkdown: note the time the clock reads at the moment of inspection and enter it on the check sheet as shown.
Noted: 8:48:39
